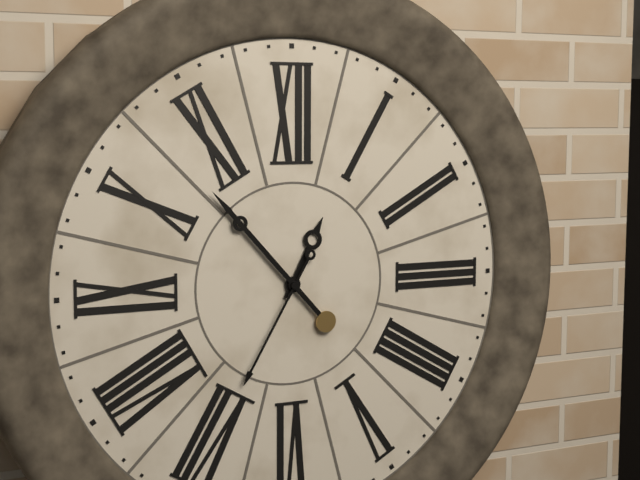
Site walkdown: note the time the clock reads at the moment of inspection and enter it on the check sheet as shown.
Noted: 12:53:35
